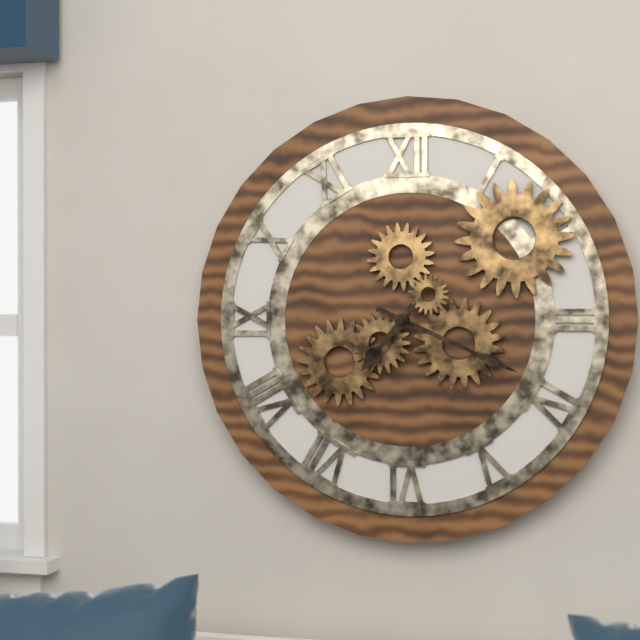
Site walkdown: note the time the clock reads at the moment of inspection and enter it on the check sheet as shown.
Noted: 7:19
